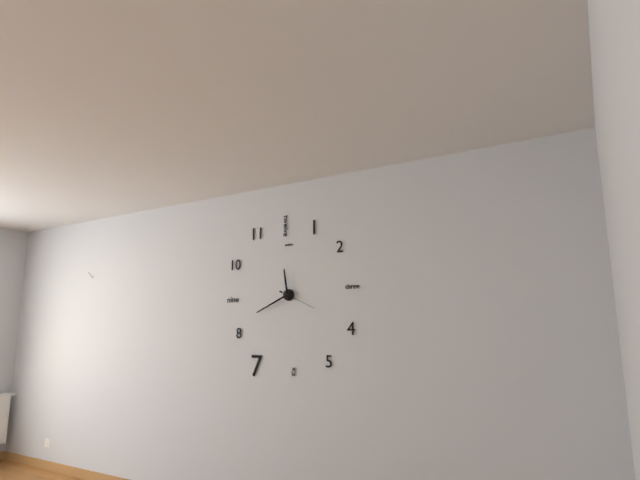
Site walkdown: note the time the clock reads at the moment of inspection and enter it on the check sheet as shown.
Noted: 11:41
